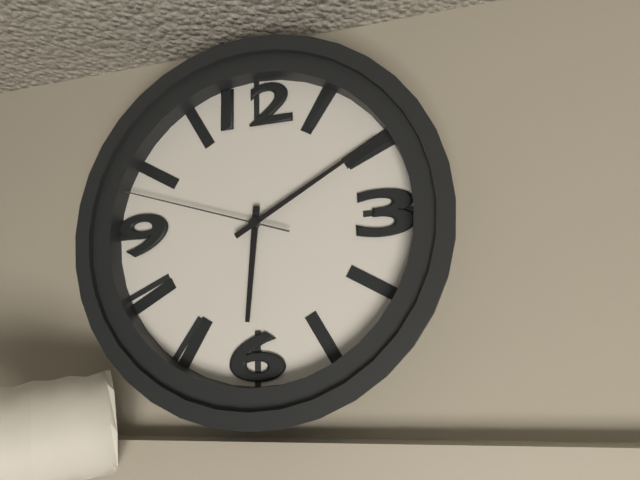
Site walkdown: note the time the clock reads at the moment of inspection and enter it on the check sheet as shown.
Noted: 6:10:48
